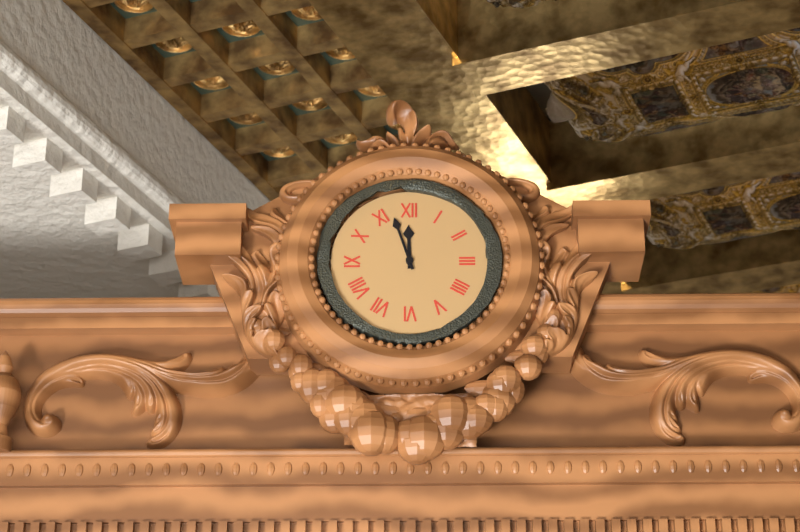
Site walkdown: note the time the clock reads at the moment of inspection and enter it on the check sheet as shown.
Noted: 11:57
